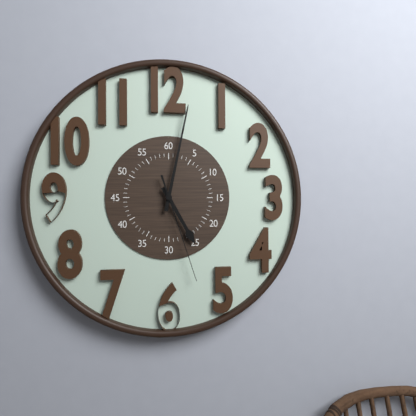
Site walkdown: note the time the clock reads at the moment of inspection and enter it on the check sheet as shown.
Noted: 5:02:27
